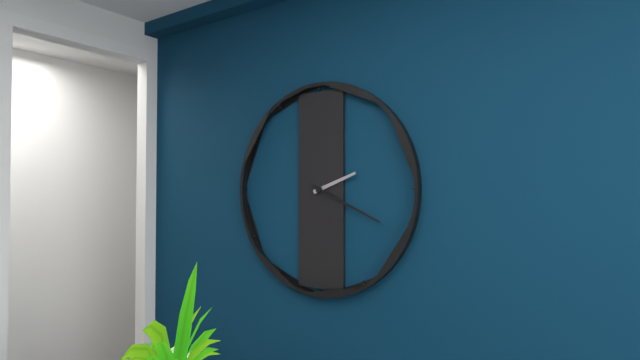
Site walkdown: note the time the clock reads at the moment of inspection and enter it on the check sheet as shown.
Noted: 2:19
